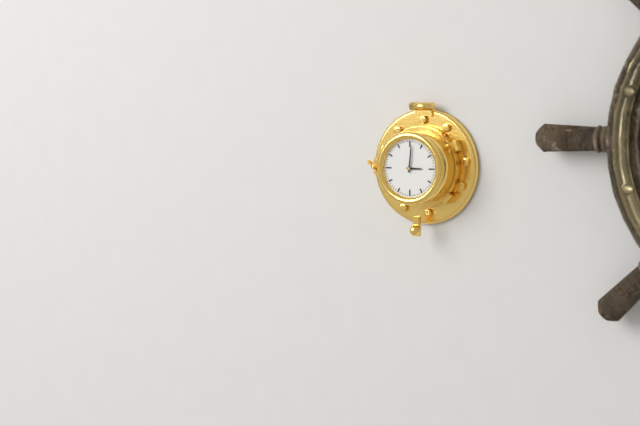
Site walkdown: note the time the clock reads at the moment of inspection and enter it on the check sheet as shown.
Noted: 3:01
